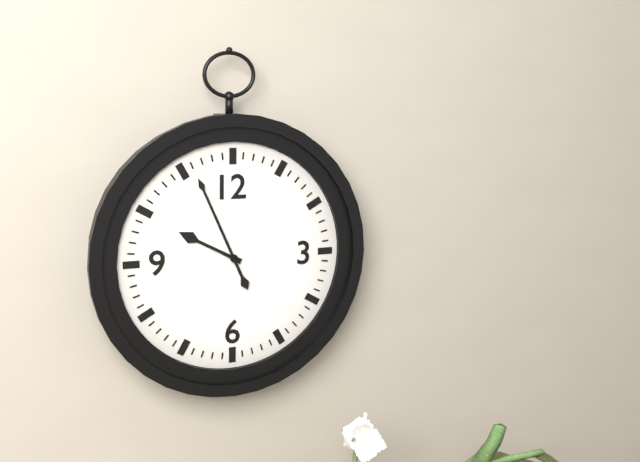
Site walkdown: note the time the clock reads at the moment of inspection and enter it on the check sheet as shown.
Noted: 9:56
